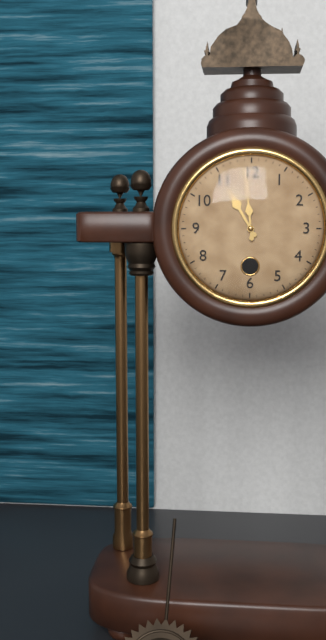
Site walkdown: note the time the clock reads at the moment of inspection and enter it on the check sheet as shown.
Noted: 10:59
